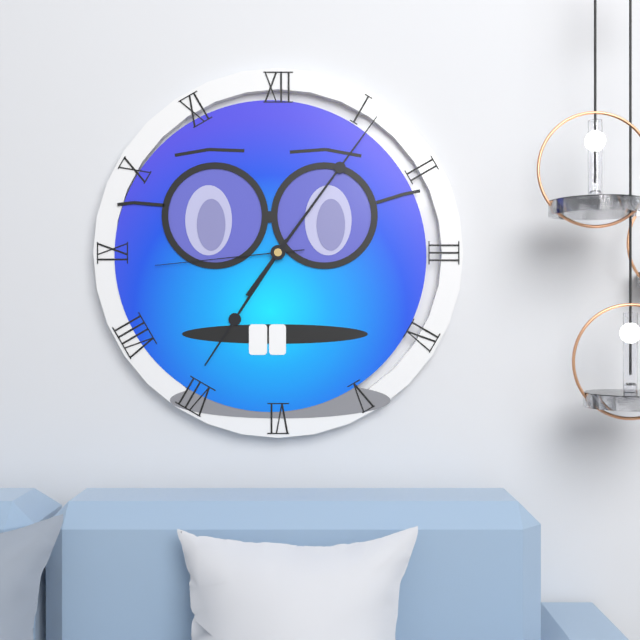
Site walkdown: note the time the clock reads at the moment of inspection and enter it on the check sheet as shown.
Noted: 7:06:44
